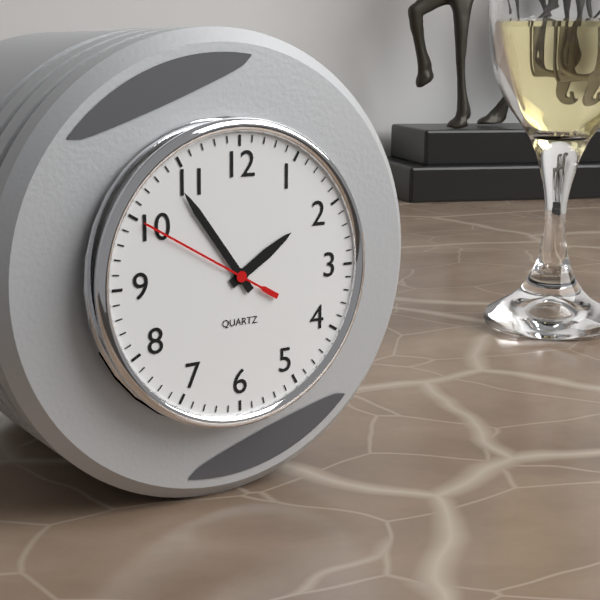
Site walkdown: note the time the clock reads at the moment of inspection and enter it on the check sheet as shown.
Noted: 1:54:50
